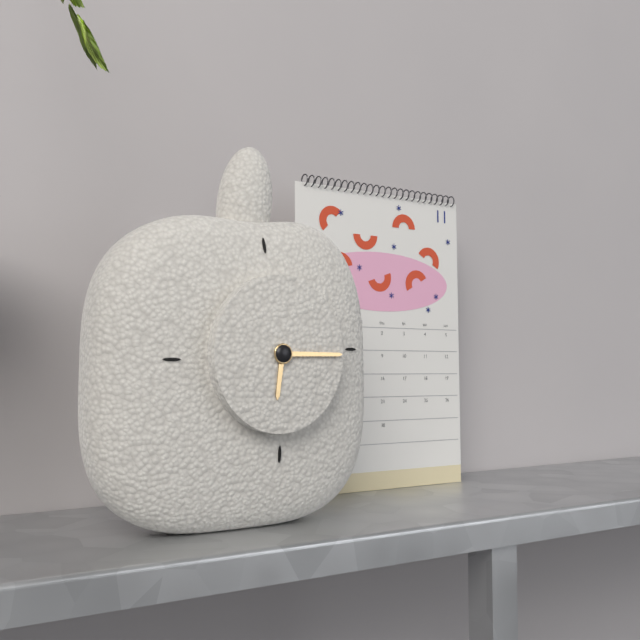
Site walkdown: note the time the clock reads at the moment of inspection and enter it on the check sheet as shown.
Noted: 6:15
